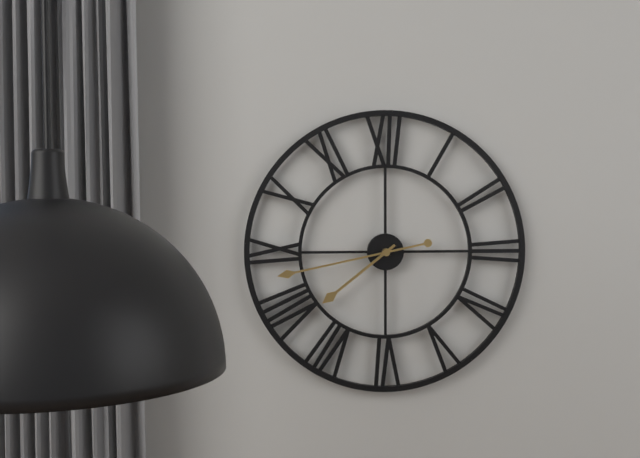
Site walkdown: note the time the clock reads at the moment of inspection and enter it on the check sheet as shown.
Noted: 7:43
